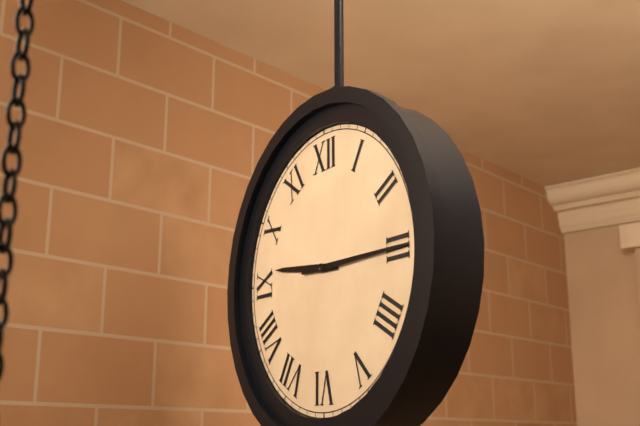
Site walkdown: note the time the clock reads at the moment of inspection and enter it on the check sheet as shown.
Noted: 9:15
